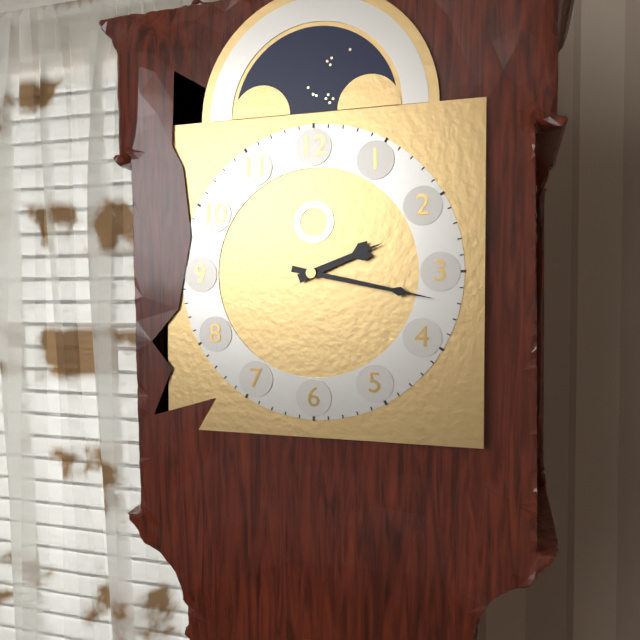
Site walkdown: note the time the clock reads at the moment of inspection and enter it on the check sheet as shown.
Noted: 2:17
